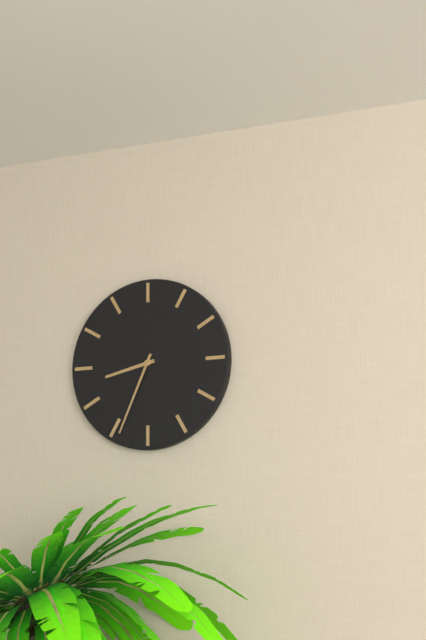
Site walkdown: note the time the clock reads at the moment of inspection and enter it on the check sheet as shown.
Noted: 8:34
